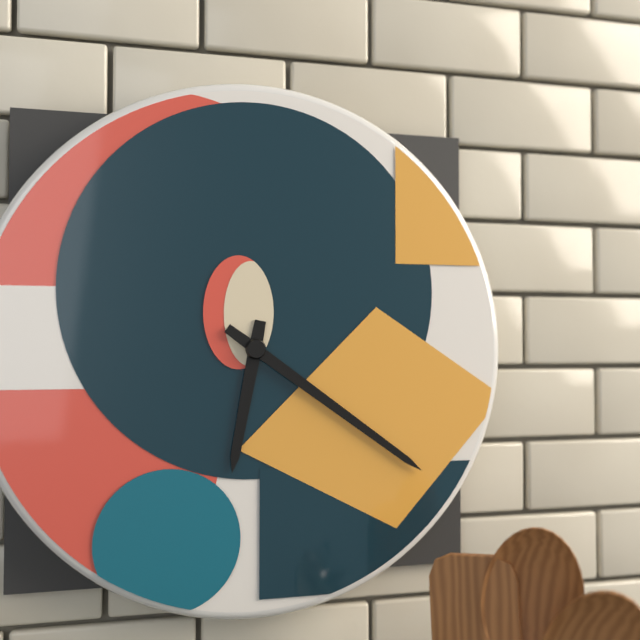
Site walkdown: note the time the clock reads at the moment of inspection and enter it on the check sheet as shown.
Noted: 6:21
